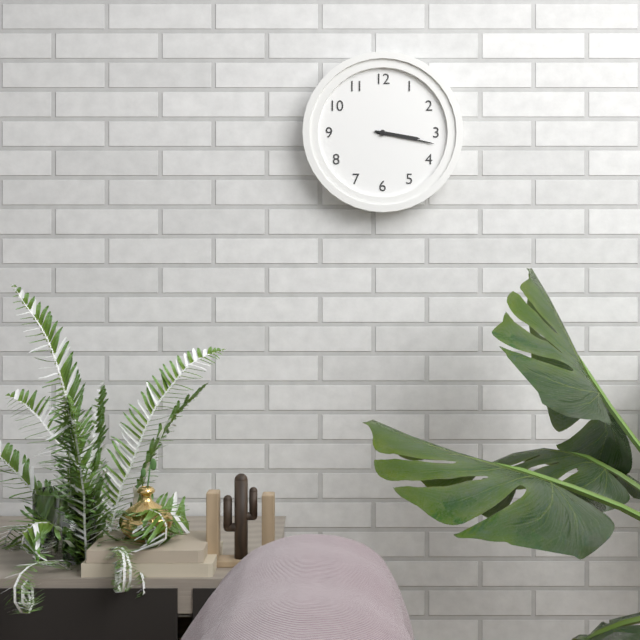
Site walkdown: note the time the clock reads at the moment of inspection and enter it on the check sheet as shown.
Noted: 3:17
